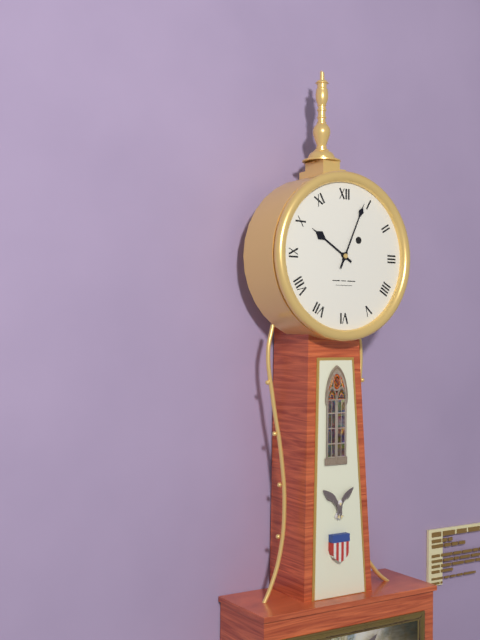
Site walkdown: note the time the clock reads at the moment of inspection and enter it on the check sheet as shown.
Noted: 10:04
